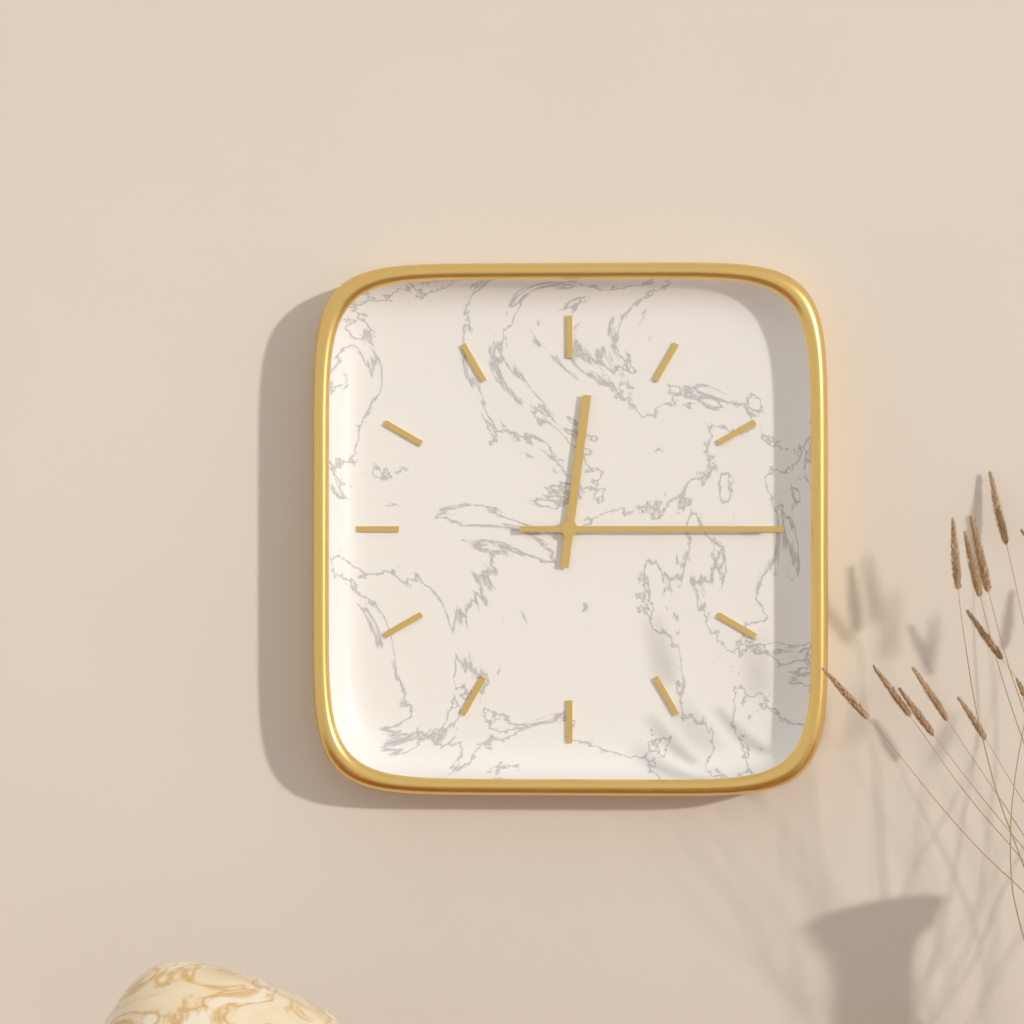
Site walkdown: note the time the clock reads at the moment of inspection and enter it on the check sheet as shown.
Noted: 12:15
